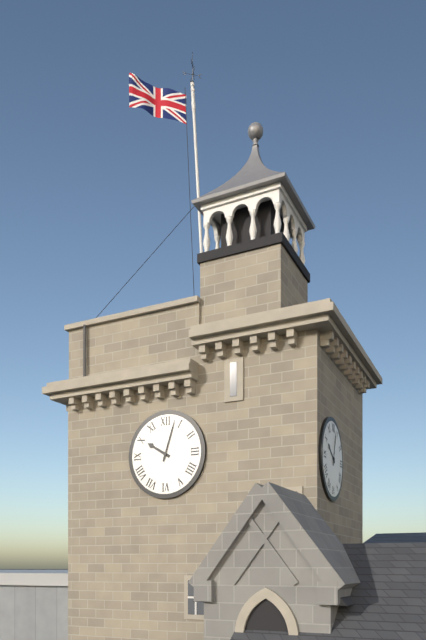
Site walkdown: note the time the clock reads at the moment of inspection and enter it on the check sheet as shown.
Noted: 10:03
